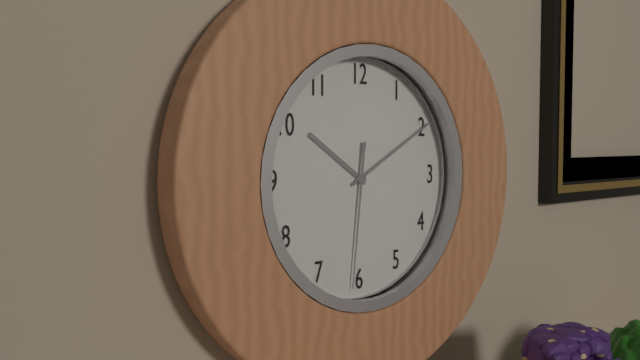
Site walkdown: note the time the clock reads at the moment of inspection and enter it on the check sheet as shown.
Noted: 10:10:31
